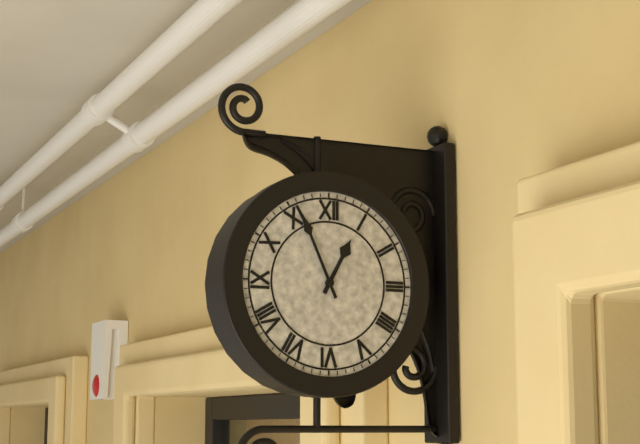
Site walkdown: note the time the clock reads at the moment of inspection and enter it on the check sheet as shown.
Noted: 12:56
